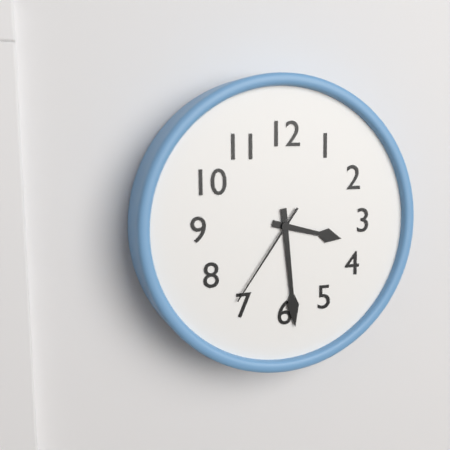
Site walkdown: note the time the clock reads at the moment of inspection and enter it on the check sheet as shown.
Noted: 3:29:36
